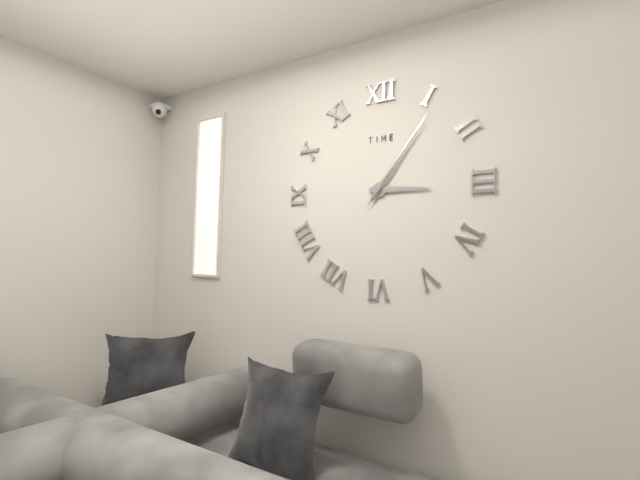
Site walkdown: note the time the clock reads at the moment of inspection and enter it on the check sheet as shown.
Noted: 3:06:06
